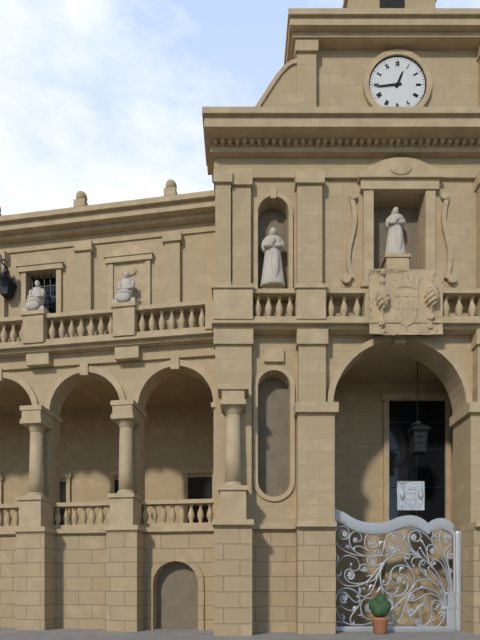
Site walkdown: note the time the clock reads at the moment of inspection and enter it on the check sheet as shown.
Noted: 12:44
